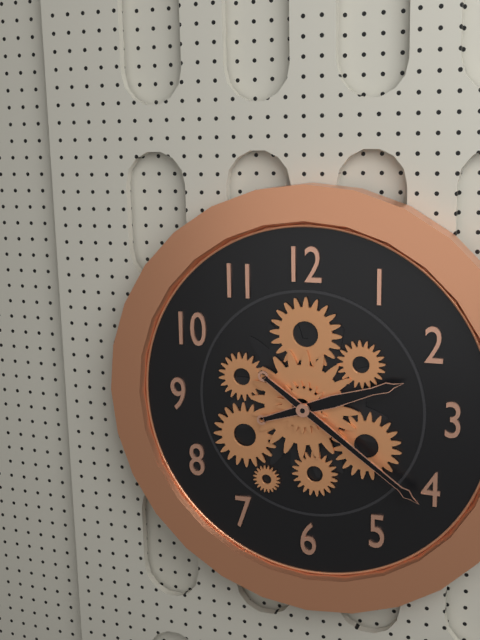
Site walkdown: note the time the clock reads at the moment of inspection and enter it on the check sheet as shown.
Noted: 2:21
